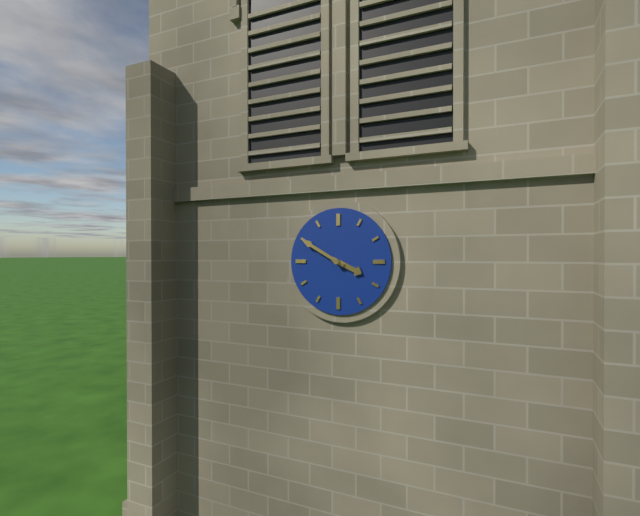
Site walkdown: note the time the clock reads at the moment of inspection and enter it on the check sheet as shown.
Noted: 3:50
